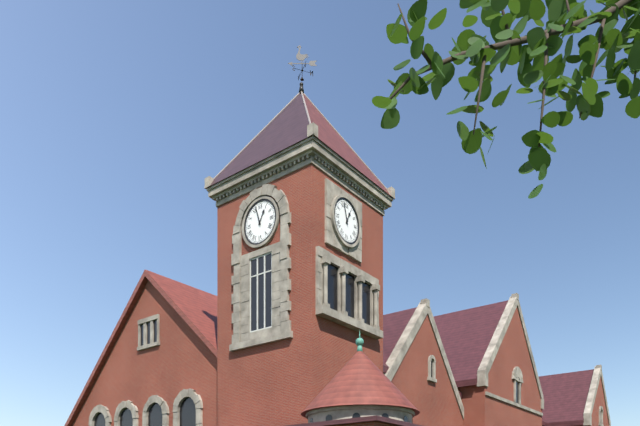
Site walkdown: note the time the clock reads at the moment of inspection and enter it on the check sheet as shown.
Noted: 12:57
